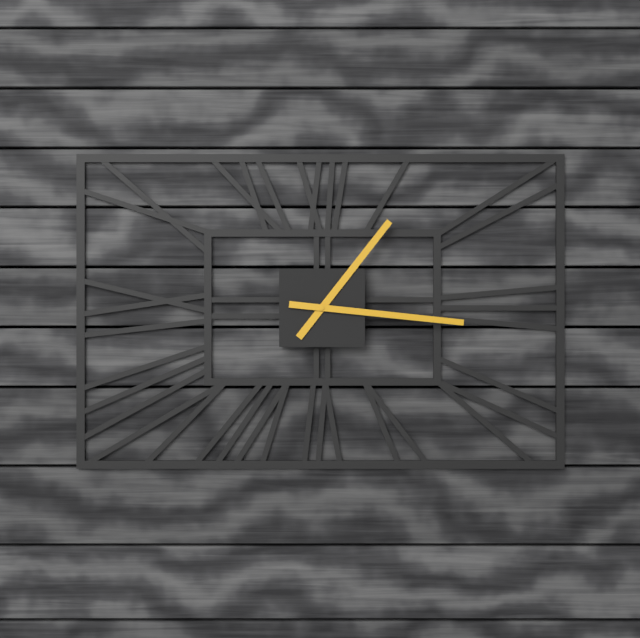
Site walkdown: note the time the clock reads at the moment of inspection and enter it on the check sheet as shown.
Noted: 1:16
